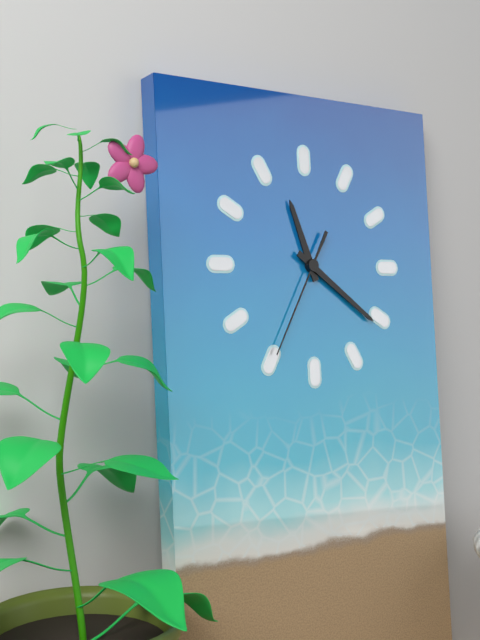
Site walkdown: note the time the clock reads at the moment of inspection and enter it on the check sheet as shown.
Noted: 11:21:35
